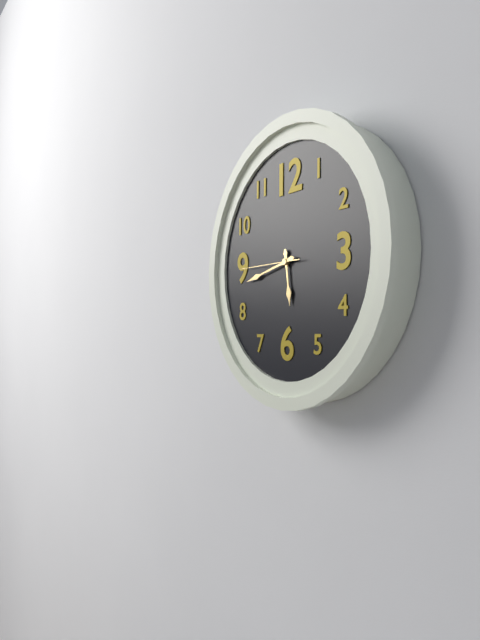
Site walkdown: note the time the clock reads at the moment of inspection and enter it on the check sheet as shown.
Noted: 5:43:45
